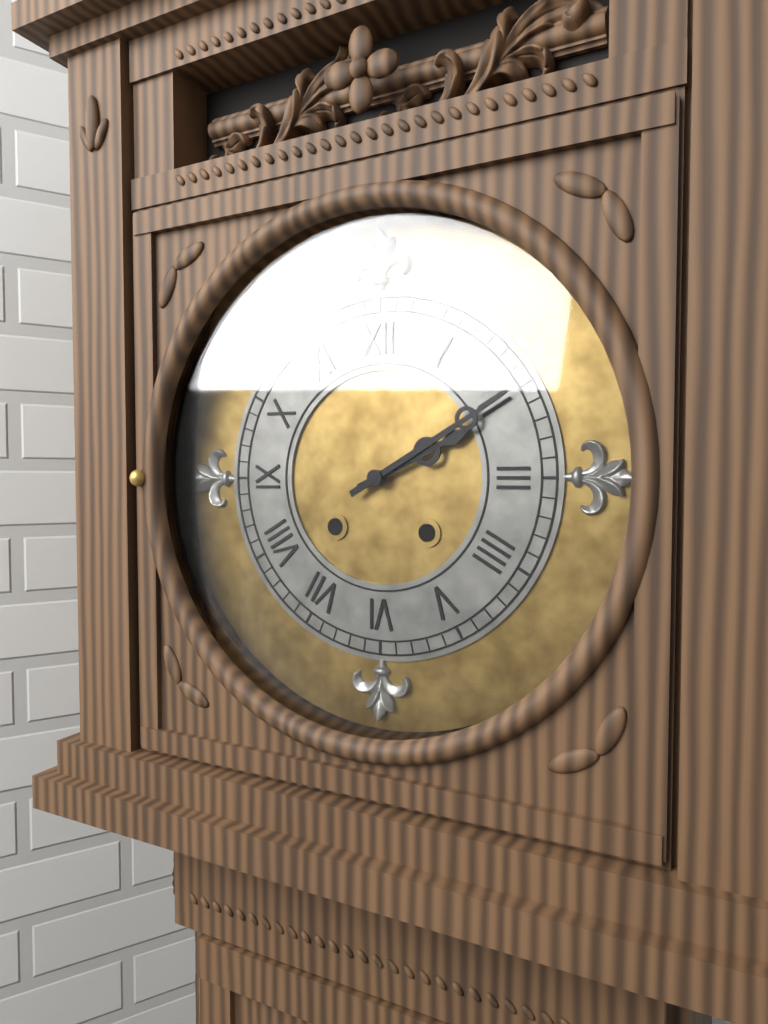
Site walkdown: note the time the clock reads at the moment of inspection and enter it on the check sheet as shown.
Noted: 2:10
